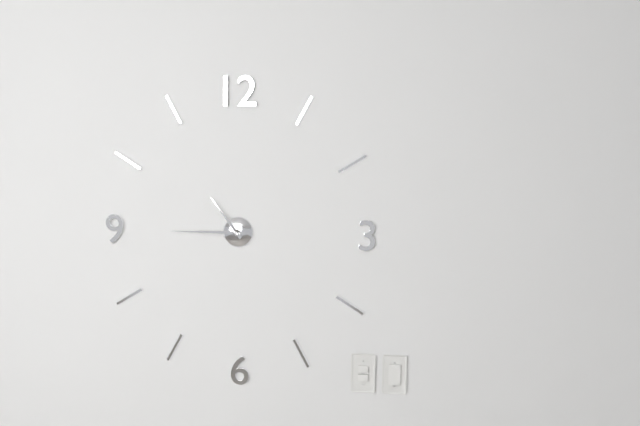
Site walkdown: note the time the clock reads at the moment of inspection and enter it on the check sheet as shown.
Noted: 10:45
